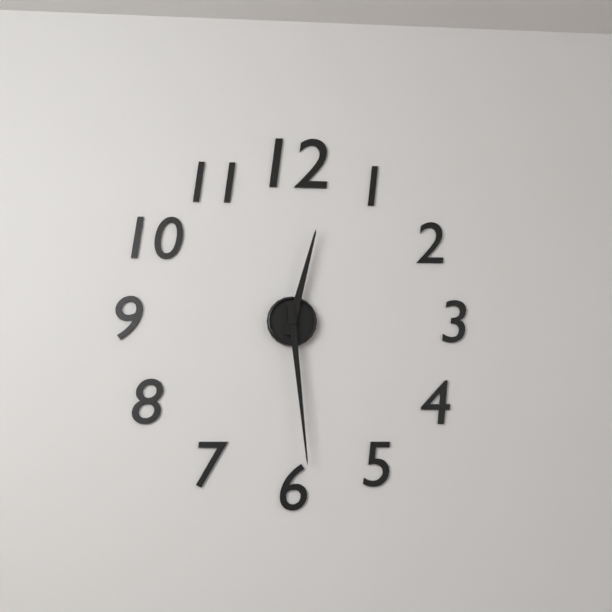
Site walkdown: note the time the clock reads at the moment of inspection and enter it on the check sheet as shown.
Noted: 12:29
